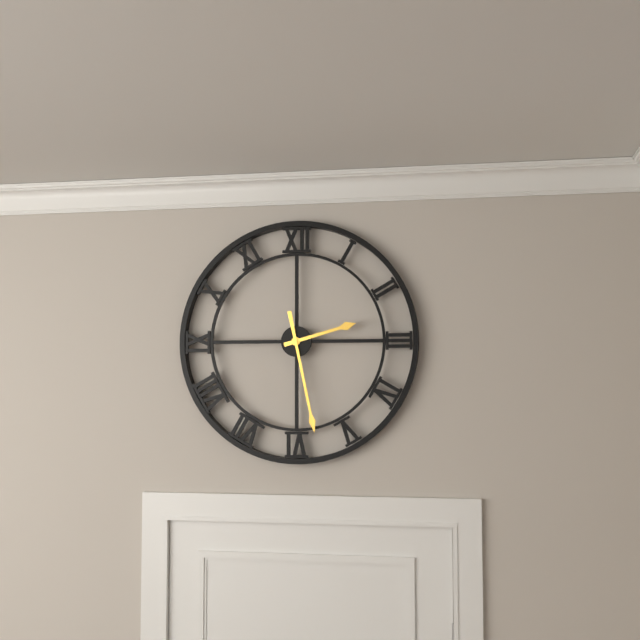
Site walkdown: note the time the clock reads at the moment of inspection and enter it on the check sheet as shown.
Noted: 2:28
